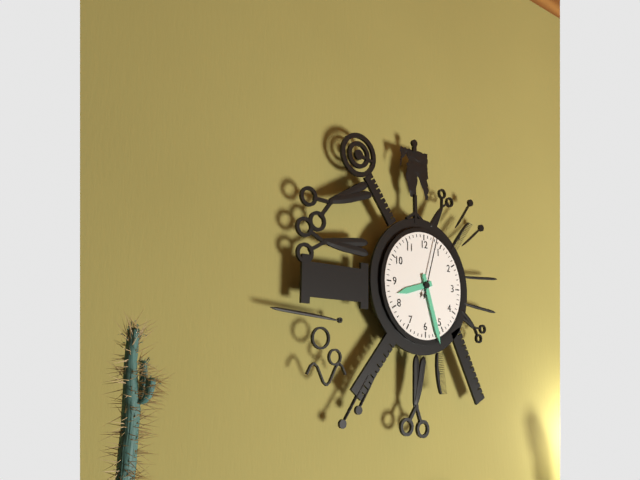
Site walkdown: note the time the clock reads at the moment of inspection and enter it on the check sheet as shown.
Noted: 8:27:03
